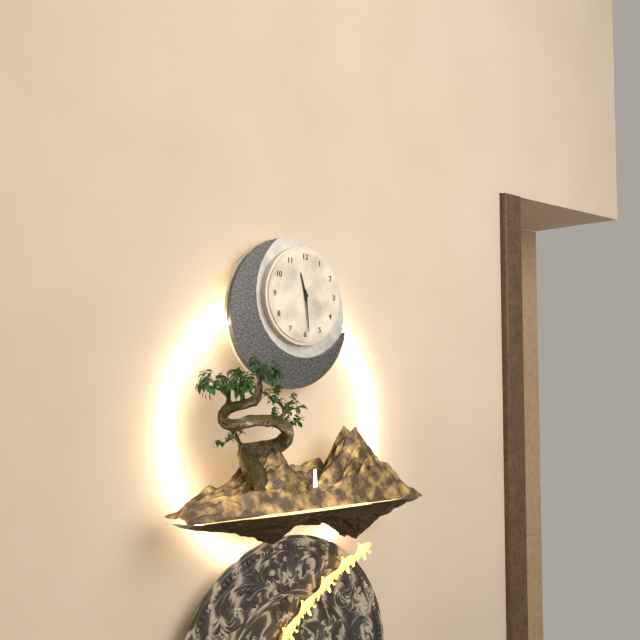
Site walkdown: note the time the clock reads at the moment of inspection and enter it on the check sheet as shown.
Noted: 11:29
